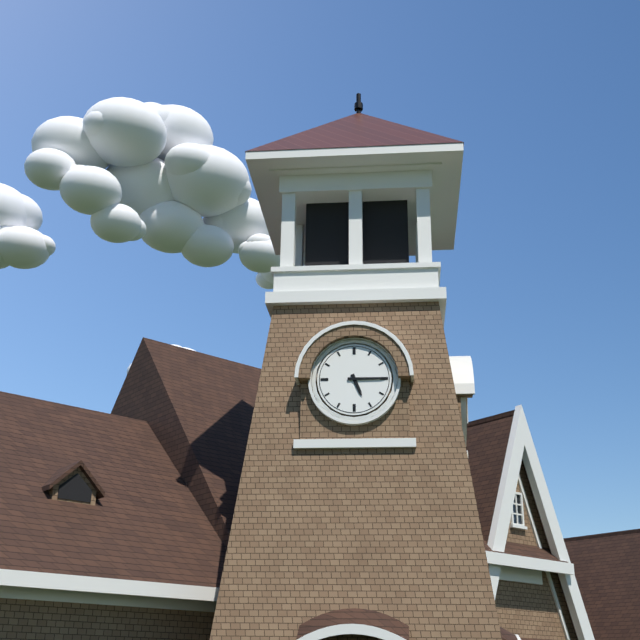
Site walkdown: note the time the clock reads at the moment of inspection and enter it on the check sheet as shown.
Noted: 5:15
